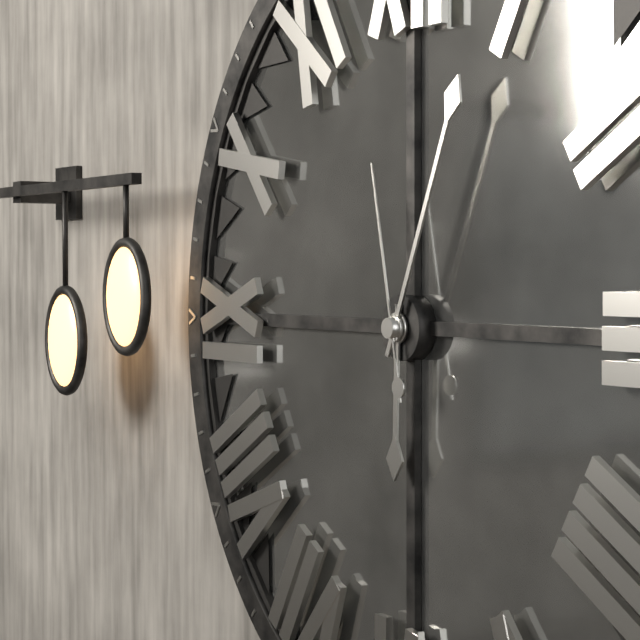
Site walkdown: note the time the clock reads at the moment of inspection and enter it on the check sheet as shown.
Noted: 6:04:58
